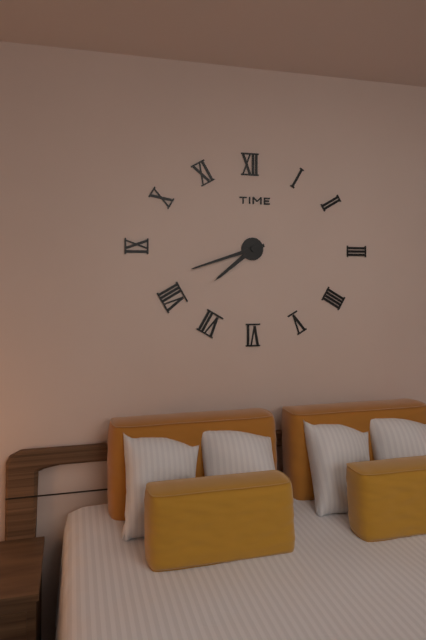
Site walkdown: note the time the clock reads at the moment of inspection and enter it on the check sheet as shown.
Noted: 7:42
